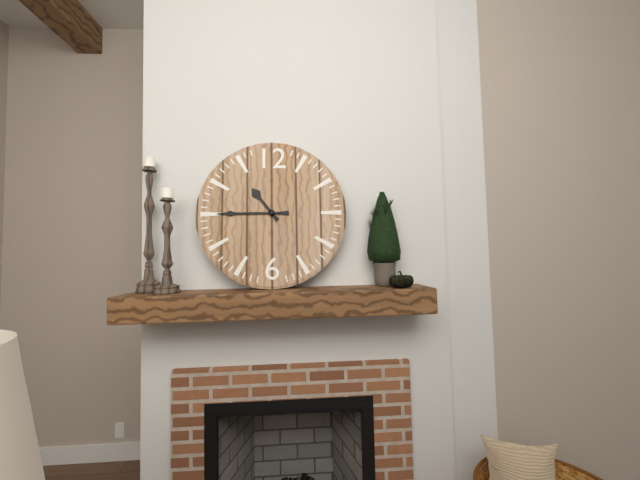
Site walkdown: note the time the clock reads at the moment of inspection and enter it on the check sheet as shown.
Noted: 10:45
